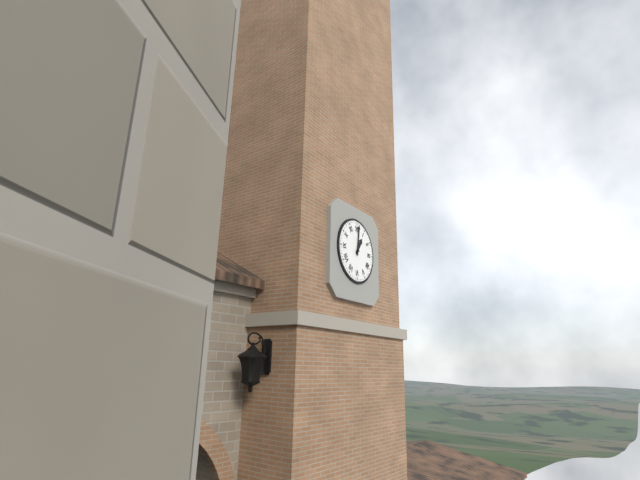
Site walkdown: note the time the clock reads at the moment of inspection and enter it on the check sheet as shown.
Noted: 1:01
